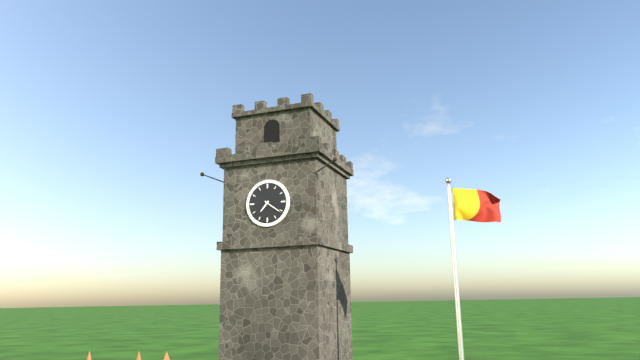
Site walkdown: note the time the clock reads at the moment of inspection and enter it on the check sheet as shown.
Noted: 7:21
